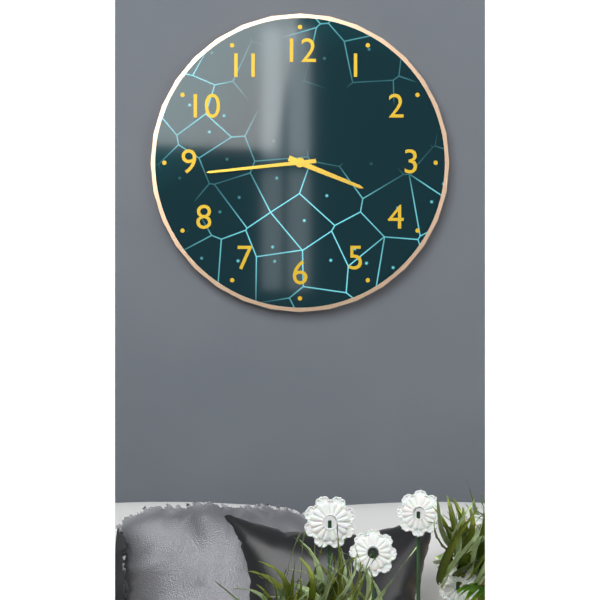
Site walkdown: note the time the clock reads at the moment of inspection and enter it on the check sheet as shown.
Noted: 3:44
